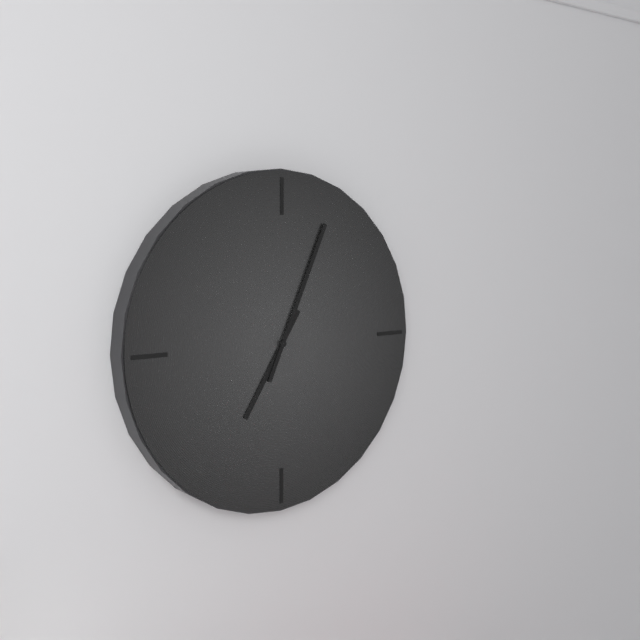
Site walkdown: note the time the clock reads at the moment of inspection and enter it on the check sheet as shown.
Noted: 7:04
